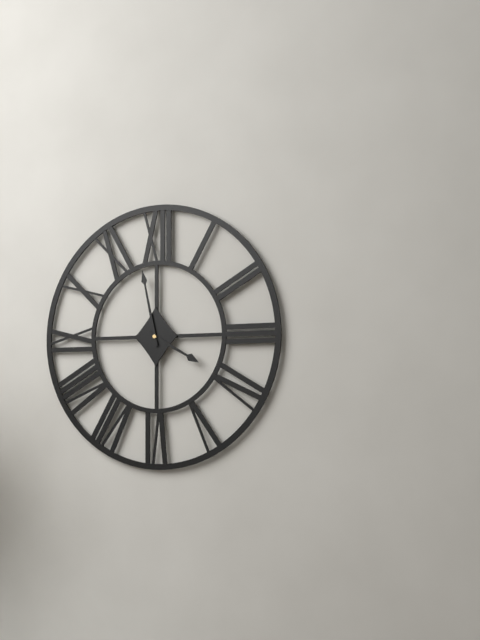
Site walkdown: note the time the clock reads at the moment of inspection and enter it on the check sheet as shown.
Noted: 3:58
